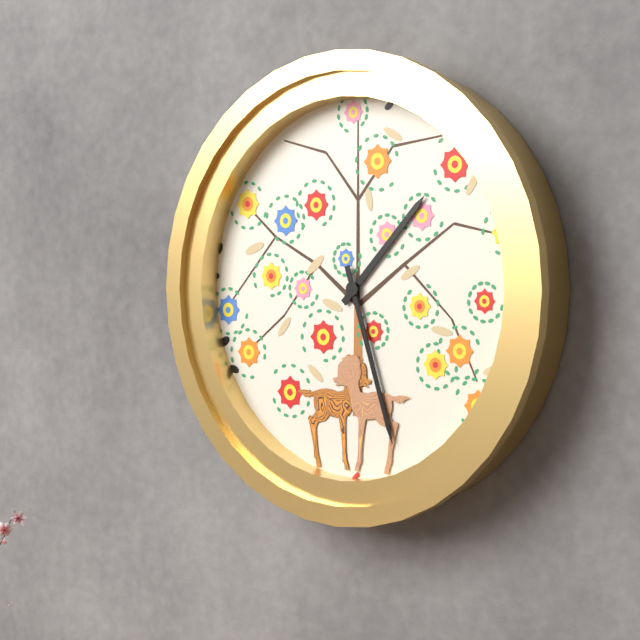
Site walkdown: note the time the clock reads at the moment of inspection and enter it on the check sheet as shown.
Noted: 1:27
